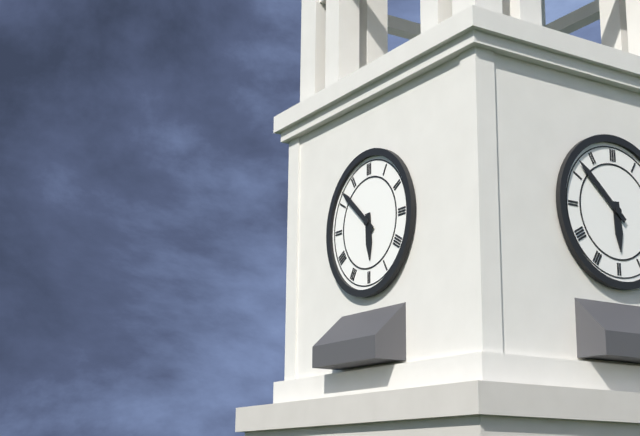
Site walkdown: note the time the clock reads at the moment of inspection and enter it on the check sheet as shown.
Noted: 5:52
